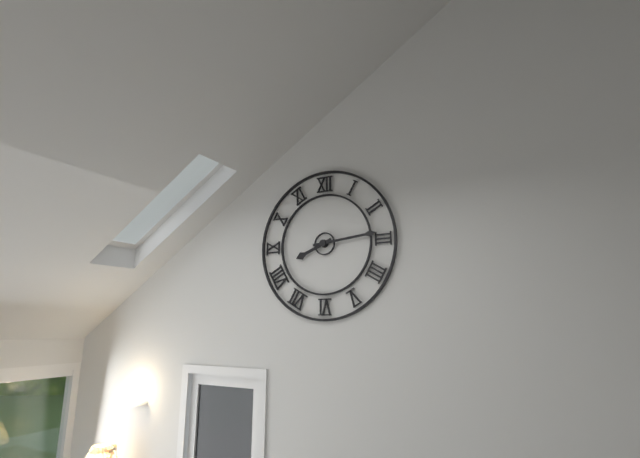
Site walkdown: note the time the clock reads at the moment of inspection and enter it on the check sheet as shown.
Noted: 8:14
